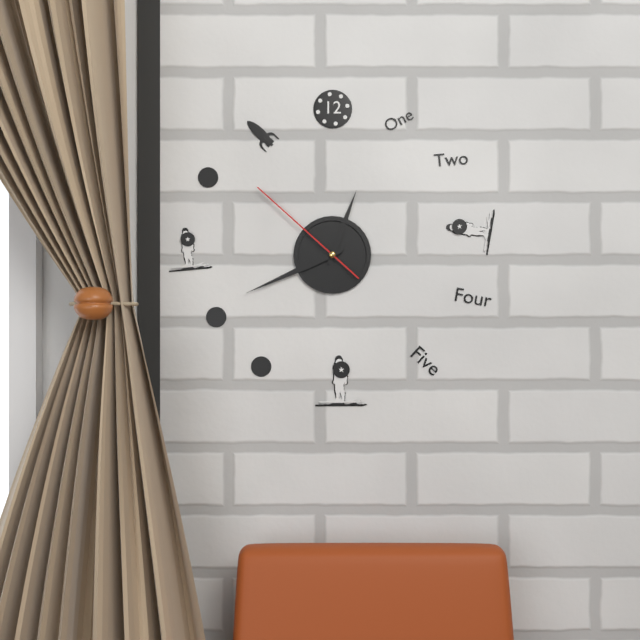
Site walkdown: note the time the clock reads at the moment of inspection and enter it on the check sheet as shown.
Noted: 12:41:52
